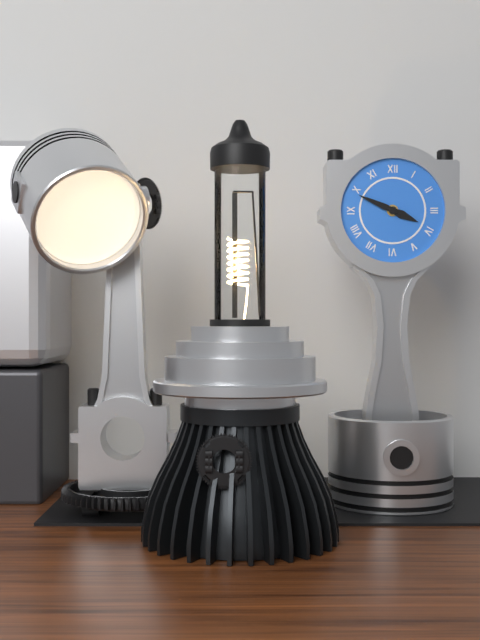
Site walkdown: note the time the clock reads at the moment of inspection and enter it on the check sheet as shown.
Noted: 3:49
